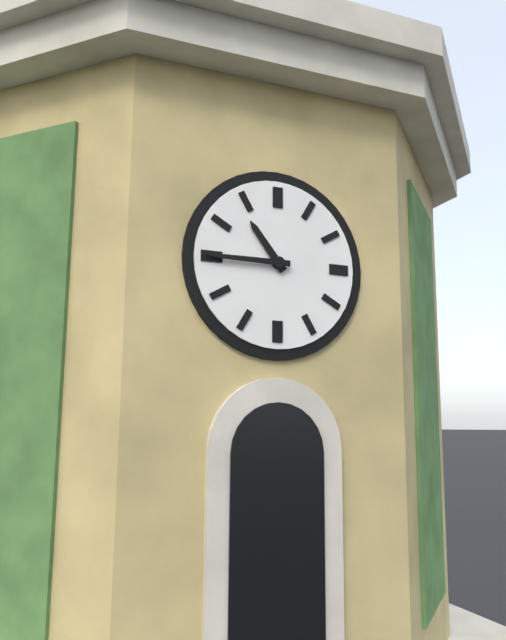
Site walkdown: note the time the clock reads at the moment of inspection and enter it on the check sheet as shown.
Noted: 10:45
